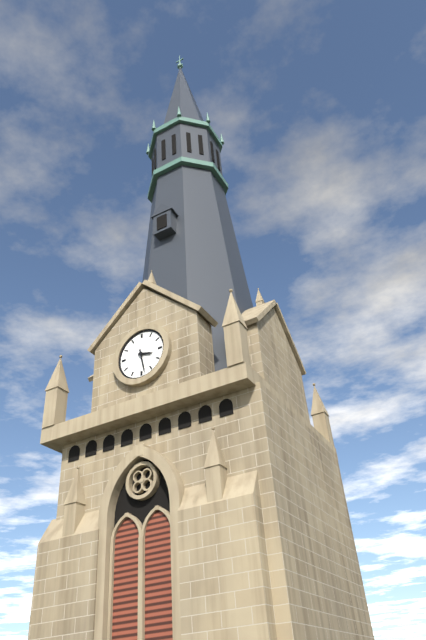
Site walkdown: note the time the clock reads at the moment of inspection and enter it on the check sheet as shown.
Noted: 3:28
